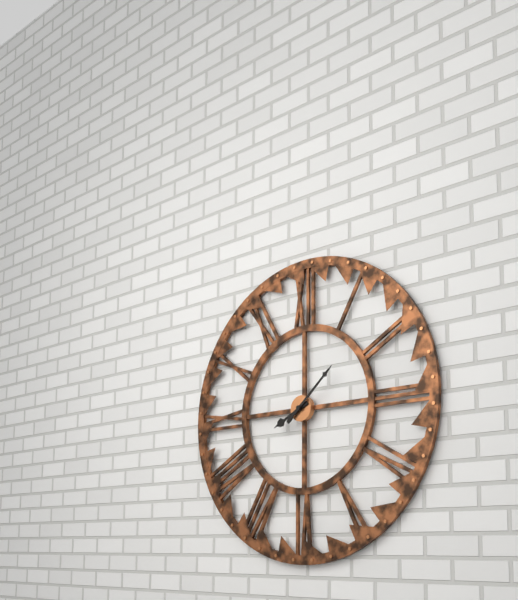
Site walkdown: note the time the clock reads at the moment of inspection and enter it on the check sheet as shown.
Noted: 8:08
